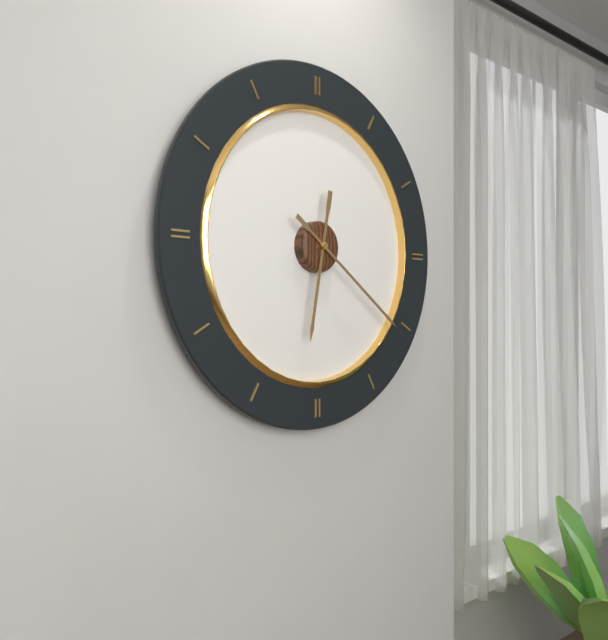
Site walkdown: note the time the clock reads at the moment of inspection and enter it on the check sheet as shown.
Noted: 6:21
